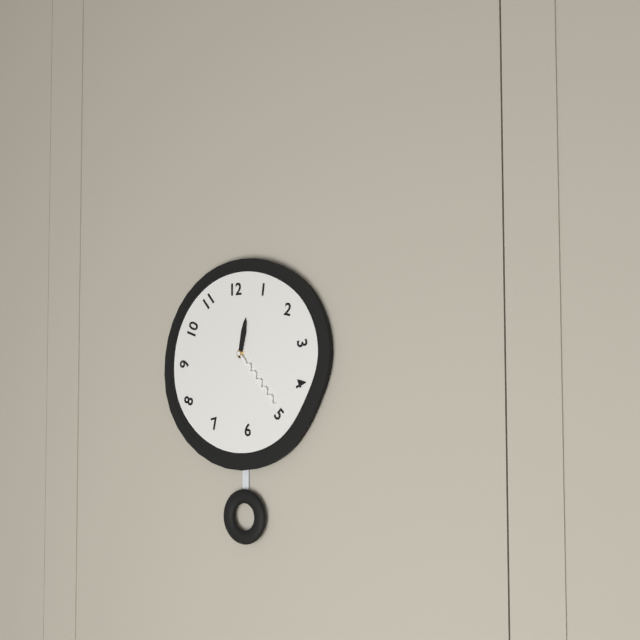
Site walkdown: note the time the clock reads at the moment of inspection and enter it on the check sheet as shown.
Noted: 12:23
